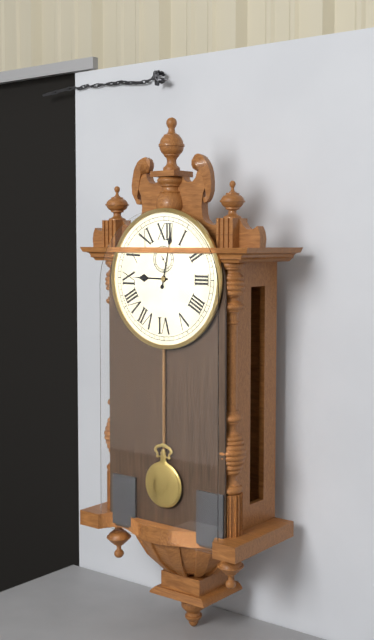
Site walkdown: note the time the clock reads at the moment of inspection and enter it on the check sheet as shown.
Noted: 9:02
